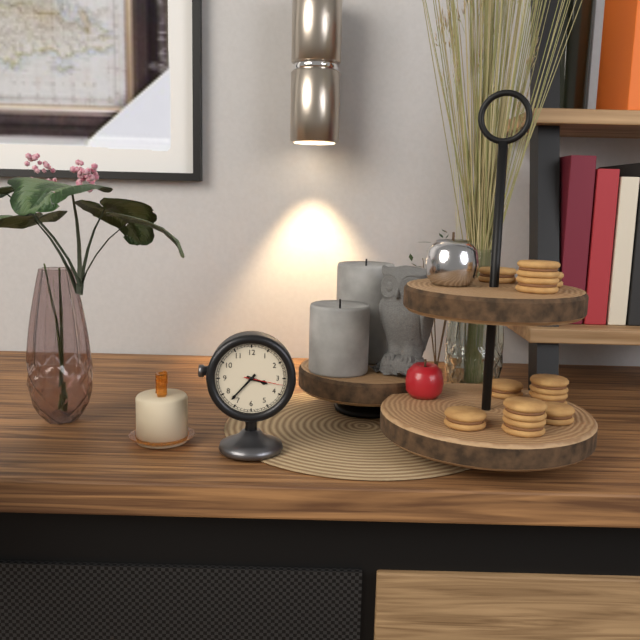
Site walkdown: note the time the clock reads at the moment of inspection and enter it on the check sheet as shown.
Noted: 3:37
